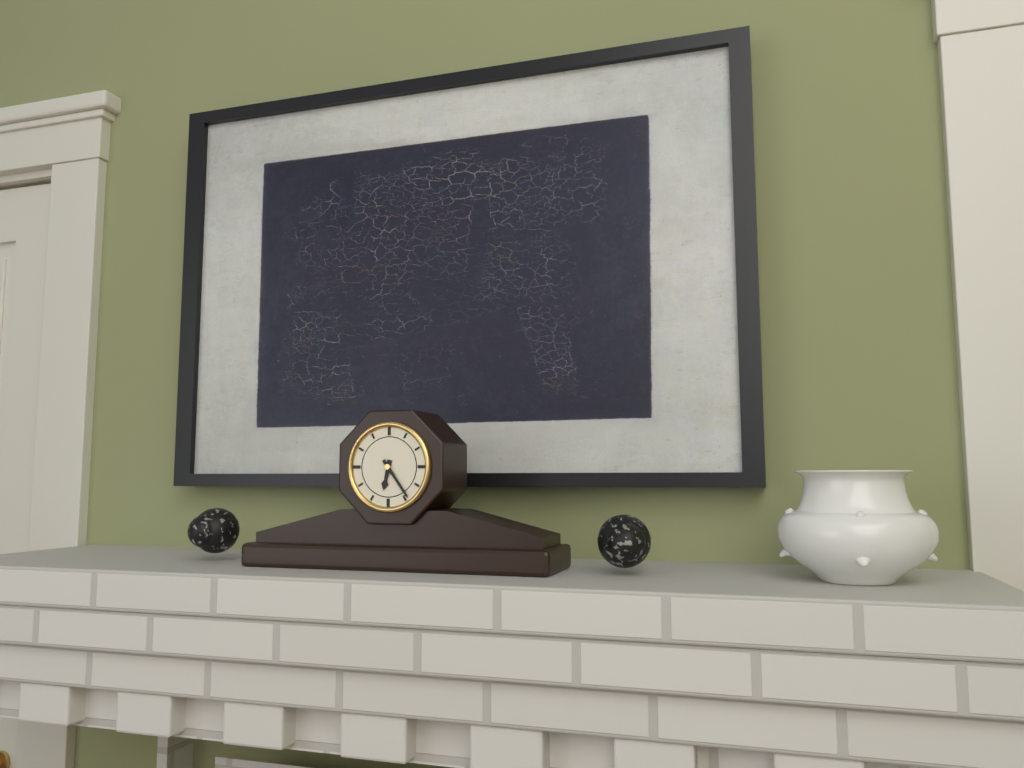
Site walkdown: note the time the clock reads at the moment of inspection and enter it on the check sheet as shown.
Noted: 6:24
